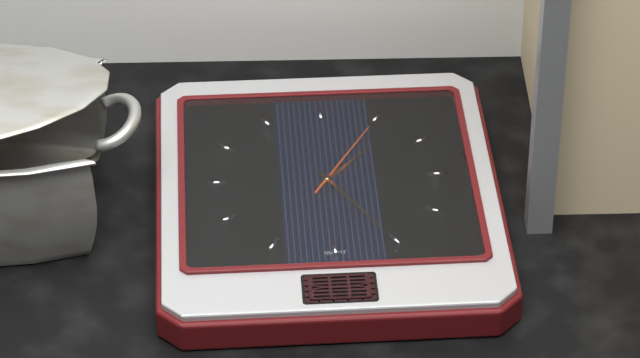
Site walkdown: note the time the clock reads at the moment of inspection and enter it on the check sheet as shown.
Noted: 1:25:05
